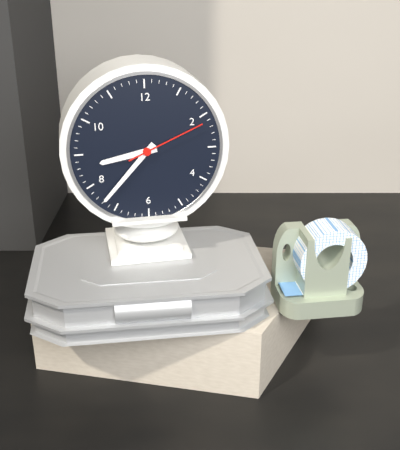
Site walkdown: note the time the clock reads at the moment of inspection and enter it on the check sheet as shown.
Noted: 8:37:11
